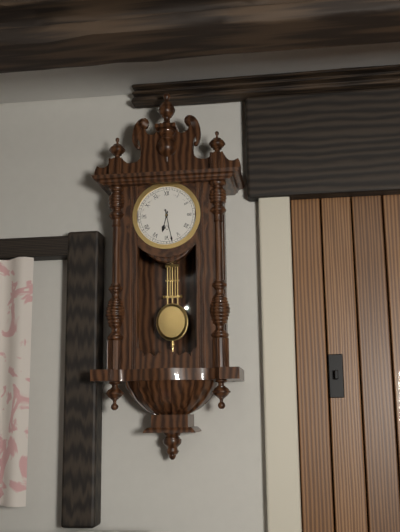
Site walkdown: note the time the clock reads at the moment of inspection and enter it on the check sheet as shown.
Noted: 6:28
